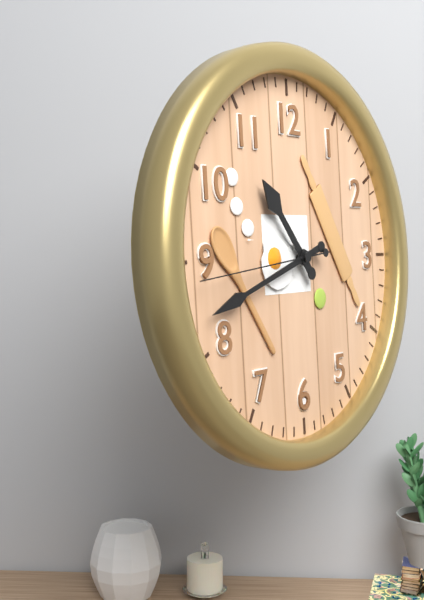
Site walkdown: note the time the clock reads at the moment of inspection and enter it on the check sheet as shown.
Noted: 10:42:44
